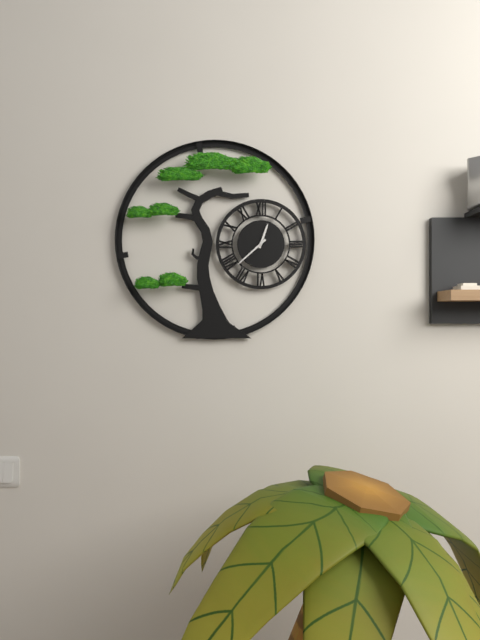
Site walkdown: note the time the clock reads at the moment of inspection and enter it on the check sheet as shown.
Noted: 12:38
